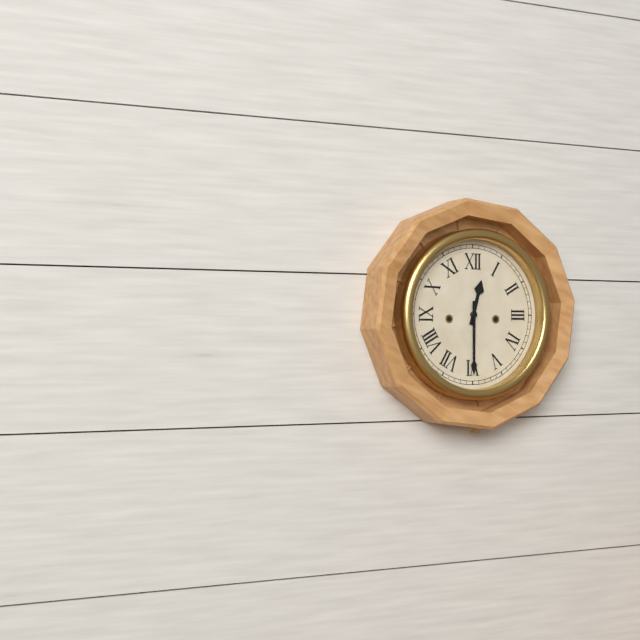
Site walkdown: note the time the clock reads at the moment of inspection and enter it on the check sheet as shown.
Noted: 12:30
